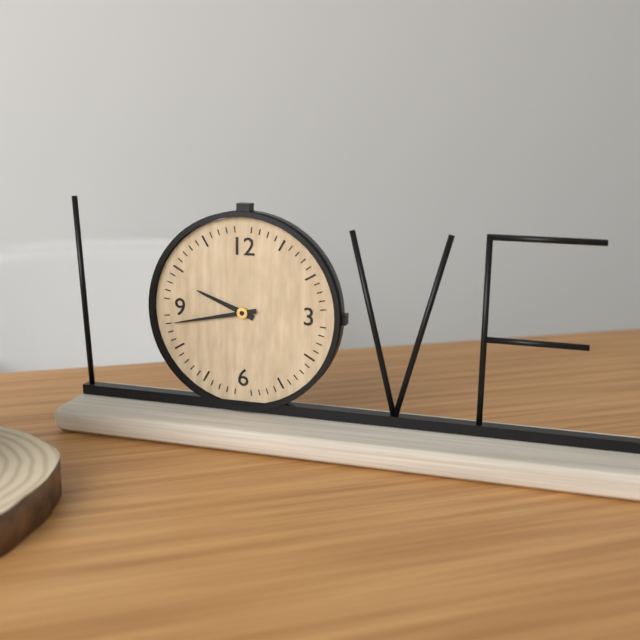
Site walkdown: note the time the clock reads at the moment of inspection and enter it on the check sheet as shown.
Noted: 9:43
